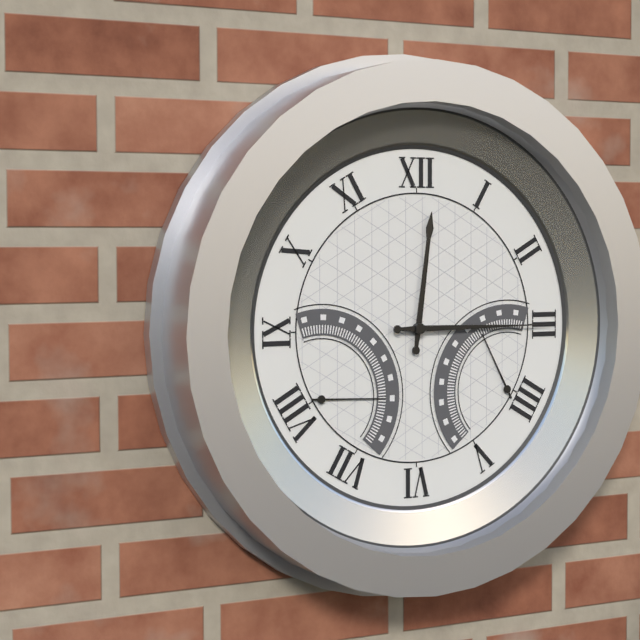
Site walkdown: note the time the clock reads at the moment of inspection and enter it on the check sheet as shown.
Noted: 12:15
